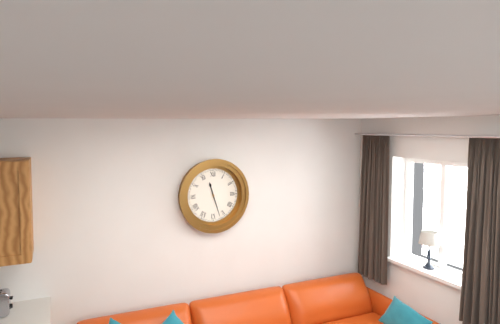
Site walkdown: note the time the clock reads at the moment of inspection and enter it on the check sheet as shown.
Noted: 11:27
